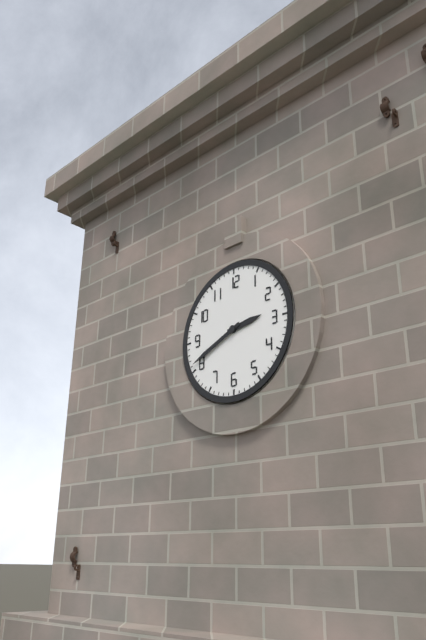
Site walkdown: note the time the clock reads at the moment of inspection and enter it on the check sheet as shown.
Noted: 2:41
